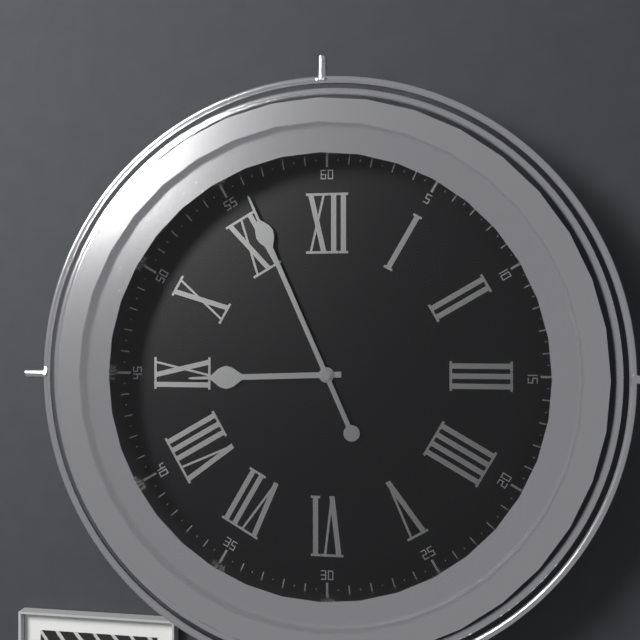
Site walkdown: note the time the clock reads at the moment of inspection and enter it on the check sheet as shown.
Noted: 8:56
